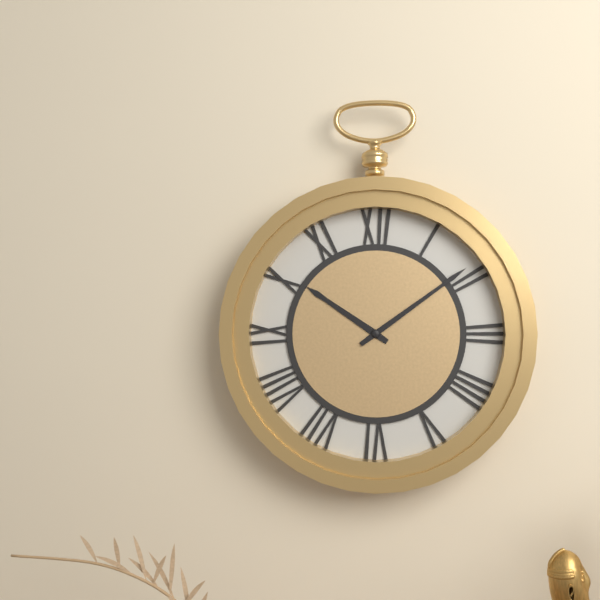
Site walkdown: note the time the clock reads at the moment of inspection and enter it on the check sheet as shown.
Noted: 10:09
